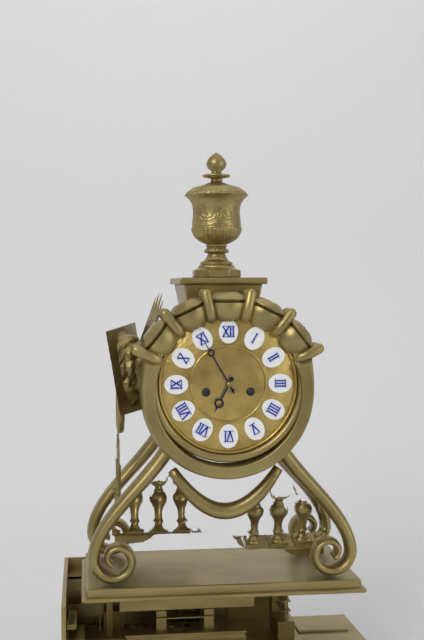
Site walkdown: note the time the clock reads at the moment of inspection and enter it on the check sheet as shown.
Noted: 6:55
